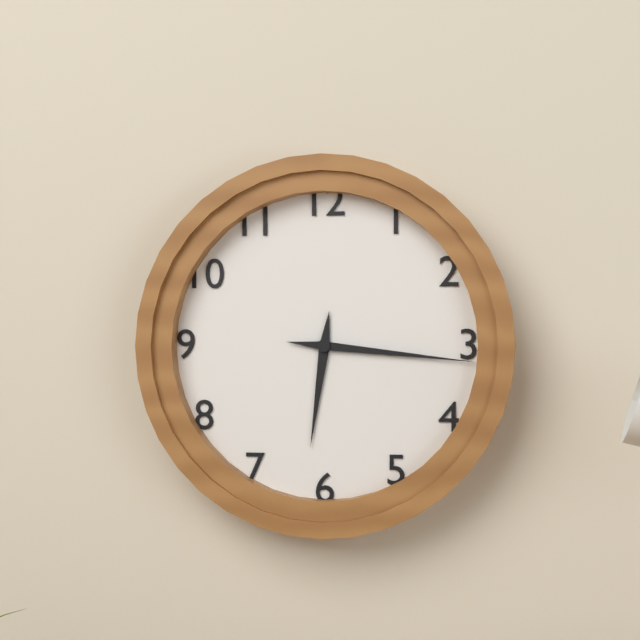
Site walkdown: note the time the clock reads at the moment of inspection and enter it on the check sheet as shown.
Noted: 6:16
